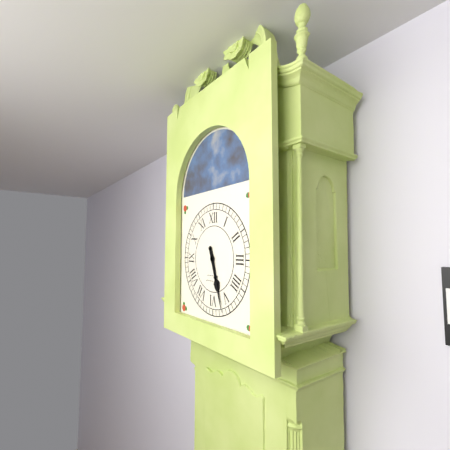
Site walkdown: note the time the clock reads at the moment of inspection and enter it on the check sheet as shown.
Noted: 5:27
